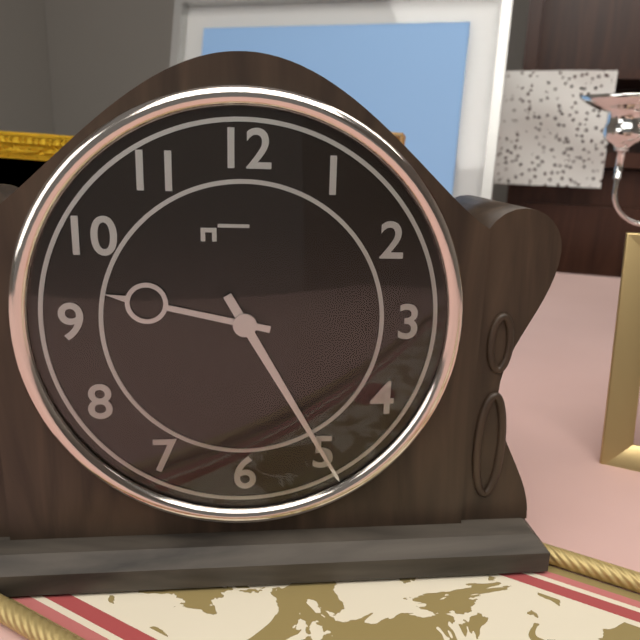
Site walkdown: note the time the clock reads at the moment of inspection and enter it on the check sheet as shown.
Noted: 9:25
